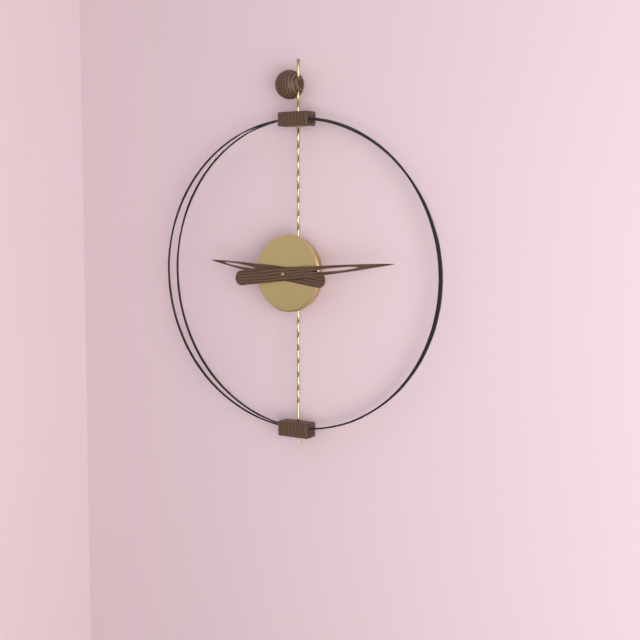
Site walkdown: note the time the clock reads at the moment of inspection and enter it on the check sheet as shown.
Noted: 9:14
